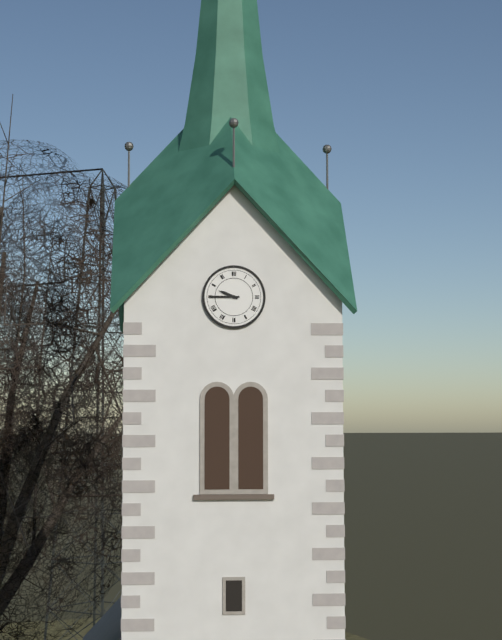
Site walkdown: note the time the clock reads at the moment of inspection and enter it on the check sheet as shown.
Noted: 9:45
